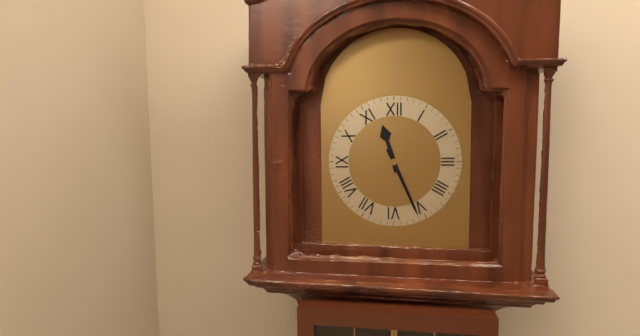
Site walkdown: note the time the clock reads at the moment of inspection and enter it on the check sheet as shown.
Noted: 11:26
